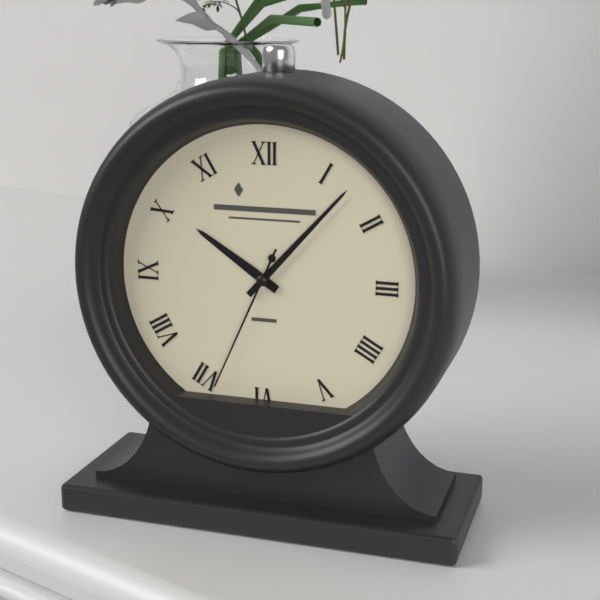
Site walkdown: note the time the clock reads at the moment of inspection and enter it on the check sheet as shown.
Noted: 10:07:34
